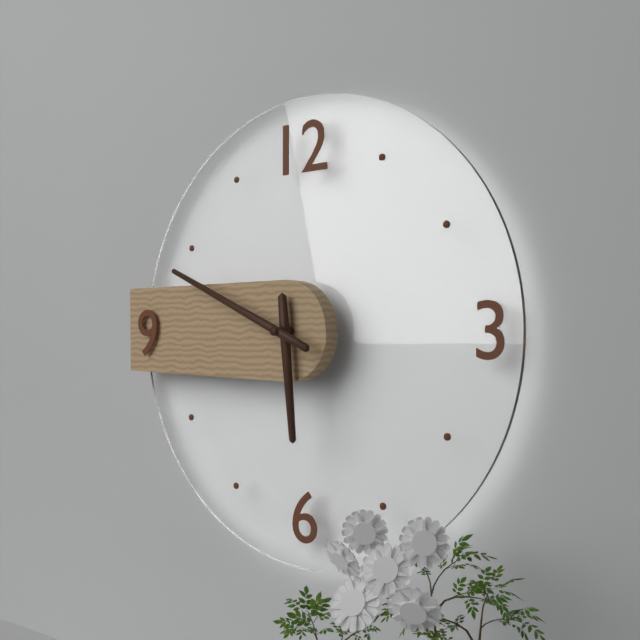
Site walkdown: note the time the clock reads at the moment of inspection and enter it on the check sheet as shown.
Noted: 5:49
